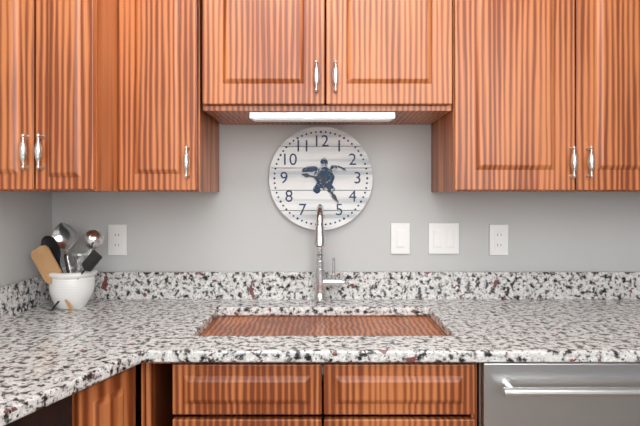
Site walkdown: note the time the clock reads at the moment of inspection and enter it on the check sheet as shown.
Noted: 9:24
